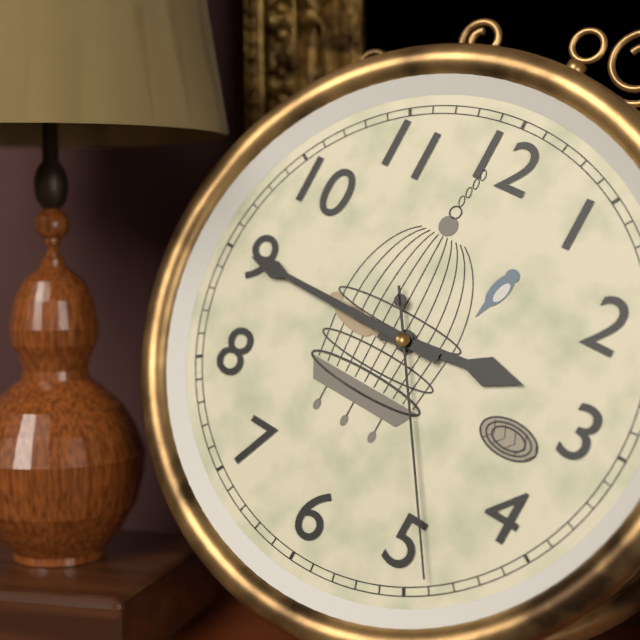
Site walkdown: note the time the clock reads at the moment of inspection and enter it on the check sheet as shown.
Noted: 2:45:24
